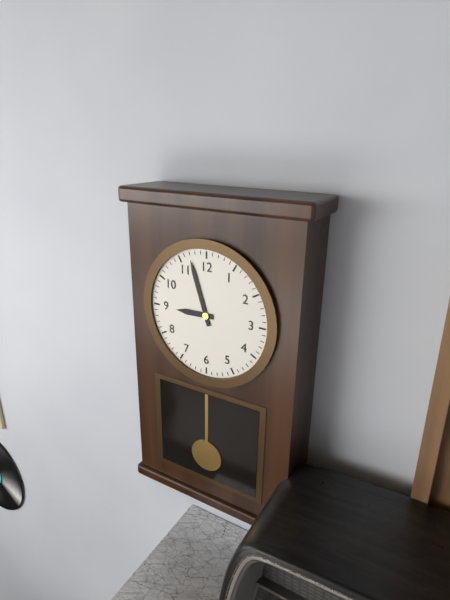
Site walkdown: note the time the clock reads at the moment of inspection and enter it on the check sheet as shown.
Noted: 8:57
